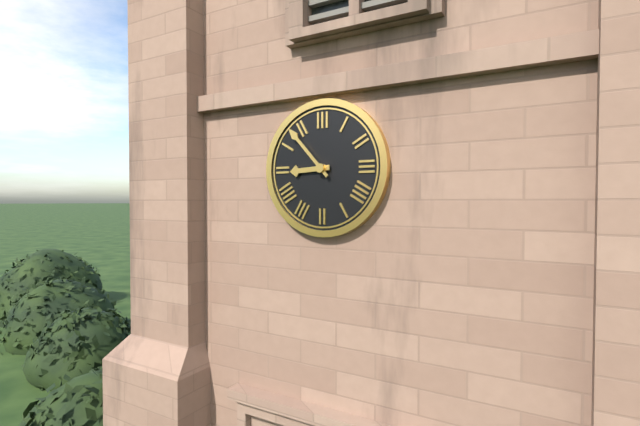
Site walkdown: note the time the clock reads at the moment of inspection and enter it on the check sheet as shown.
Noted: 8:53
